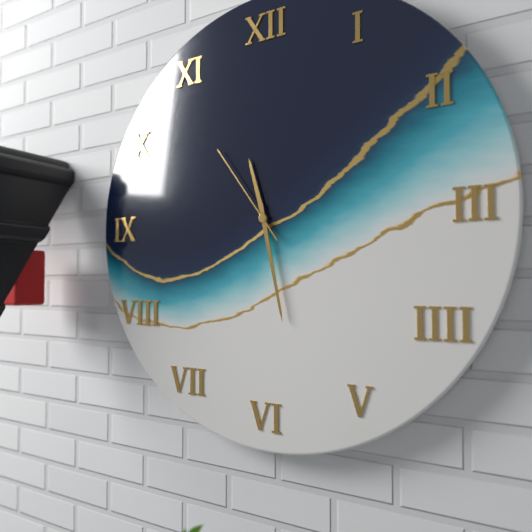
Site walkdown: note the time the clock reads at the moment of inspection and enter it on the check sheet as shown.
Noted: 11:28:54
